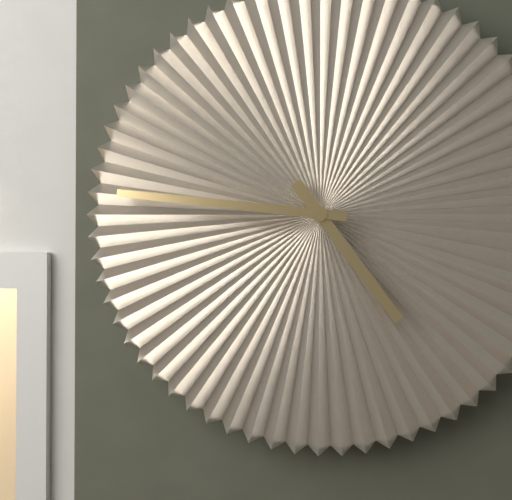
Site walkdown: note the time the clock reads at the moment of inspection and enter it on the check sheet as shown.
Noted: 4:46
